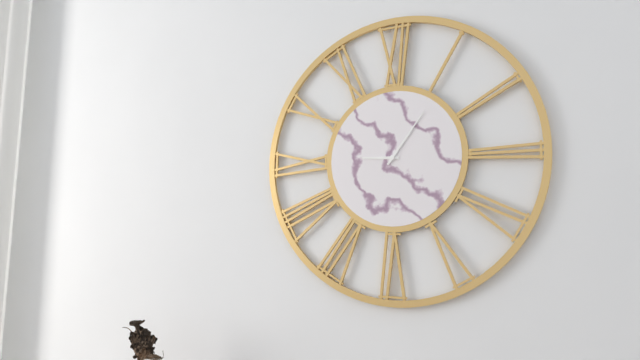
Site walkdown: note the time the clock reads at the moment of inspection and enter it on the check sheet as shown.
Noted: 9:06
